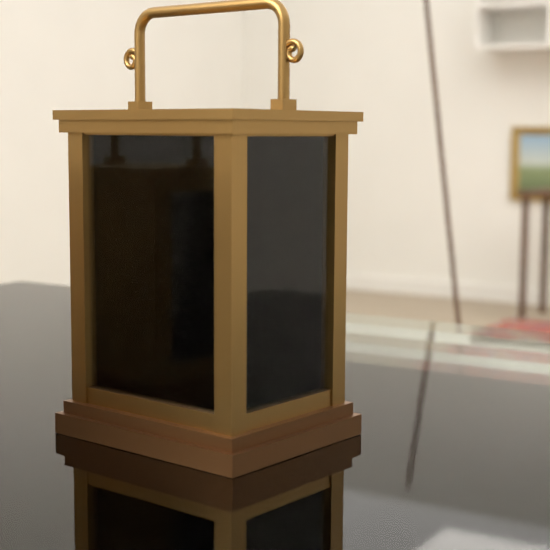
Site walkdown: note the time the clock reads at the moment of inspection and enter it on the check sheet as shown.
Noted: 9:22
